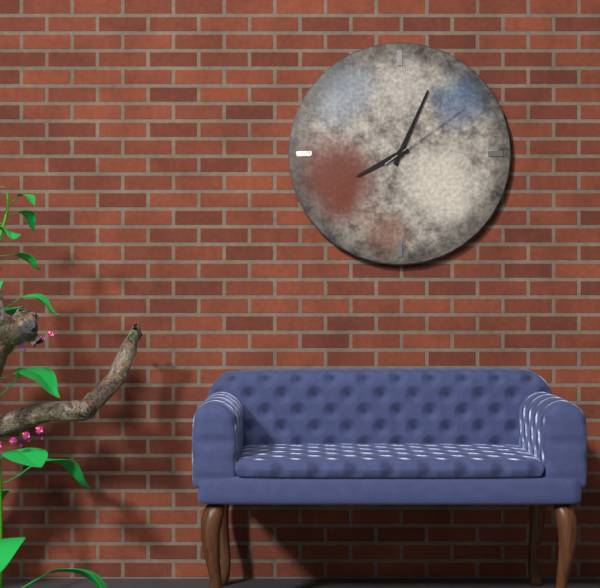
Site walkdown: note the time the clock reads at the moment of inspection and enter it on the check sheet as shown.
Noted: 8:04:09
